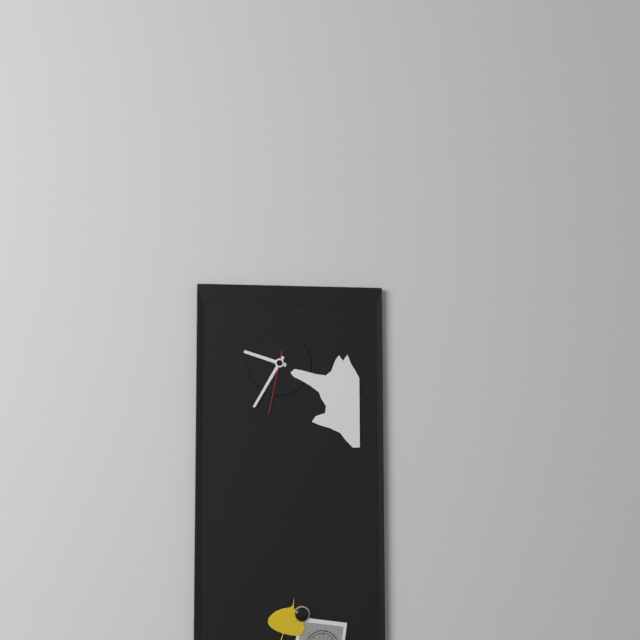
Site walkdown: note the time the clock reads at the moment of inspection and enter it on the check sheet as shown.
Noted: 9:35:32
